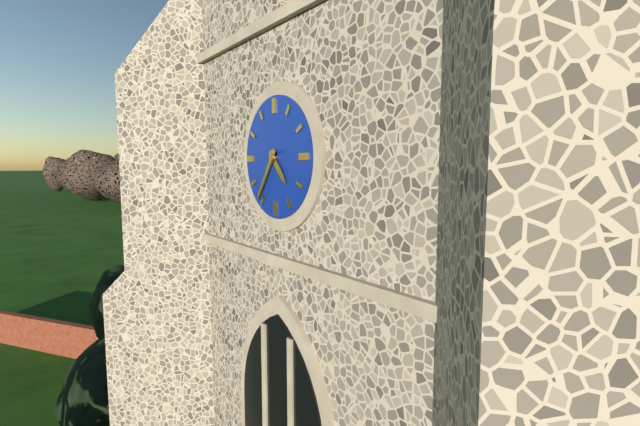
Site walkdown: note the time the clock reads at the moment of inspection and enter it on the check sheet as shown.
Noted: 4:36
